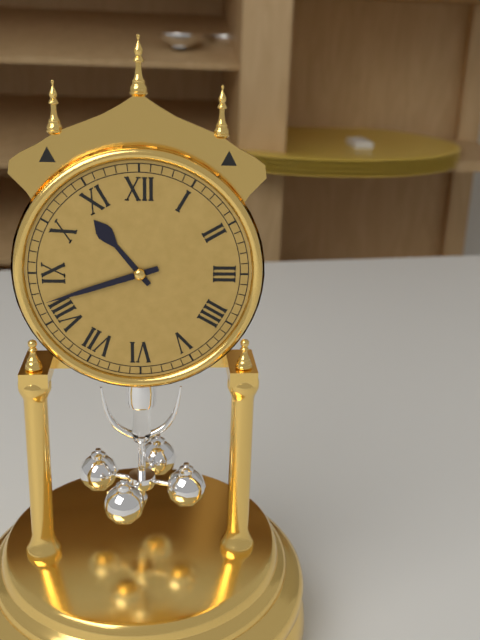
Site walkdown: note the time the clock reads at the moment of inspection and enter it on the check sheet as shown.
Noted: 10:42
